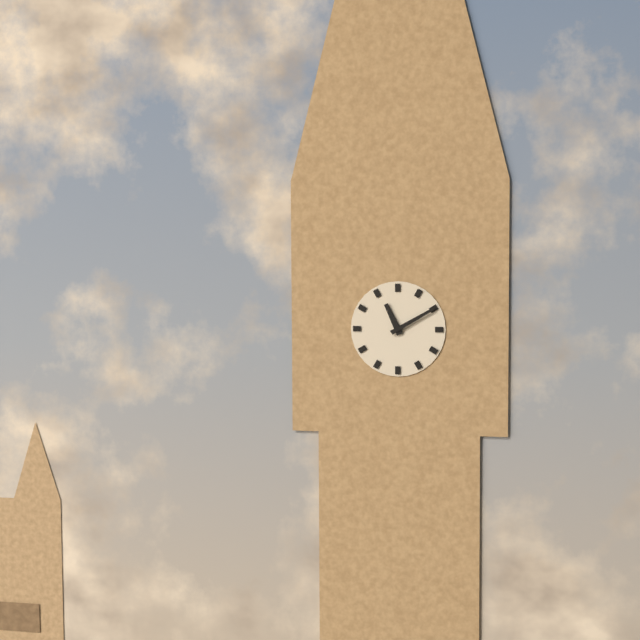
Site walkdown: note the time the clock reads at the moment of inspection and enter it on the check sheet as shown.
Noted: 11:10
